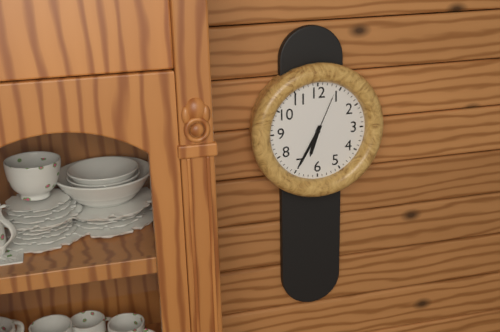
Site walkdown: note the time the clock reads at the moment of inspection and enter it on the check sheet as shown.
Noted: 6:35:04
